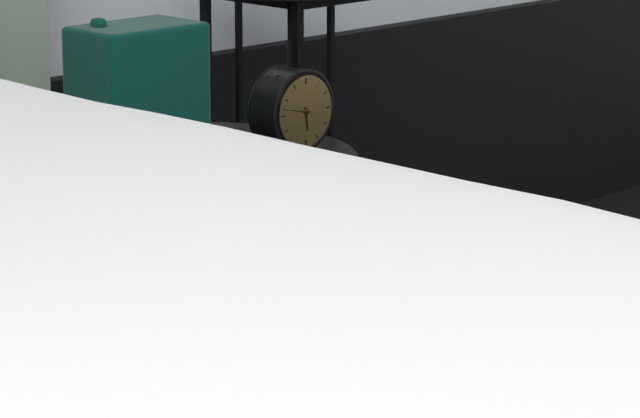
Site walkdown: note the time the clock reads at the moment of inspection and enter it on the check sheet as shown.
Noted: 5:47
